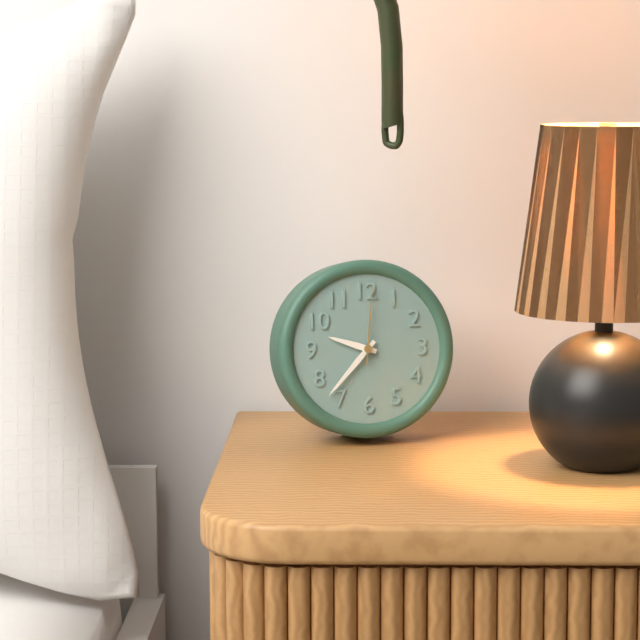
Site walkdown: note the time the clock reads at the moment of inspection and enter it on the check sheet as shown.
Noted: 9:37:01
